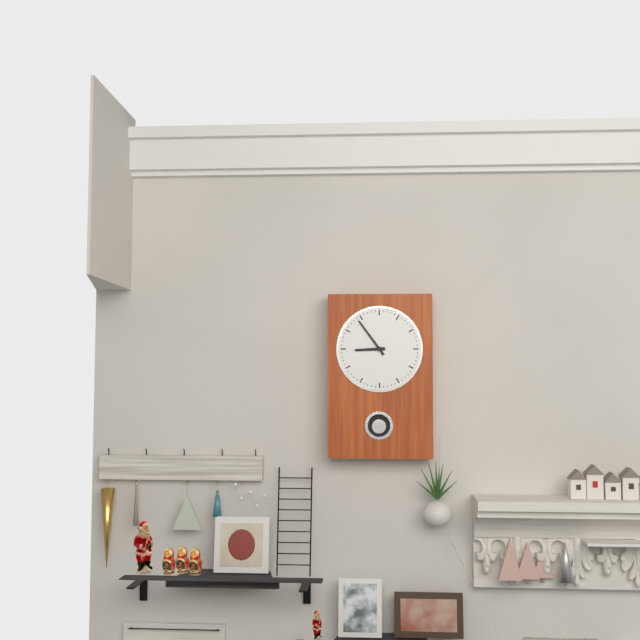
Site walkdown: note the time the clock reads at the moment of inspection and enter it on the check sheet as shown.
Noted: 8:54
